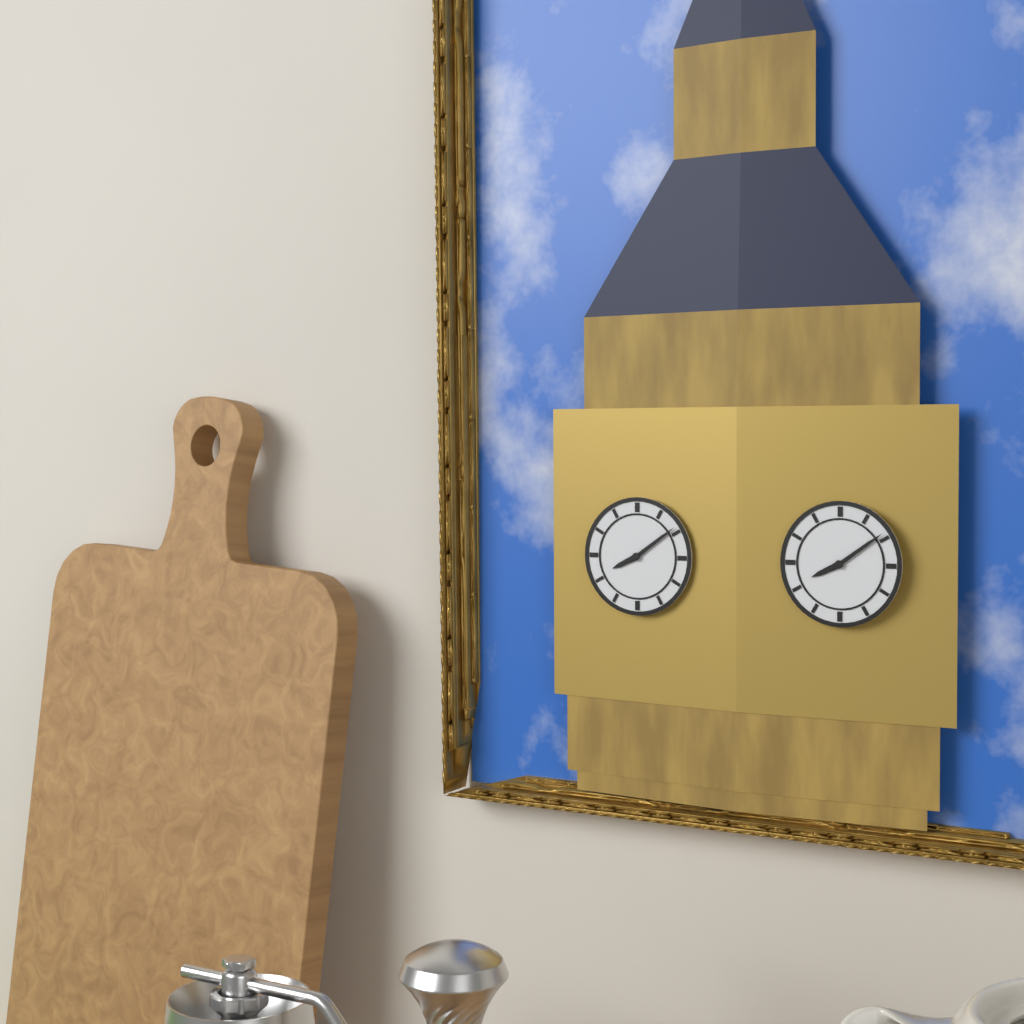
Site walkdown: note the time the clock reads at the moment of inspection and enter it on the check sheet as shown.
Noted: 8:09
